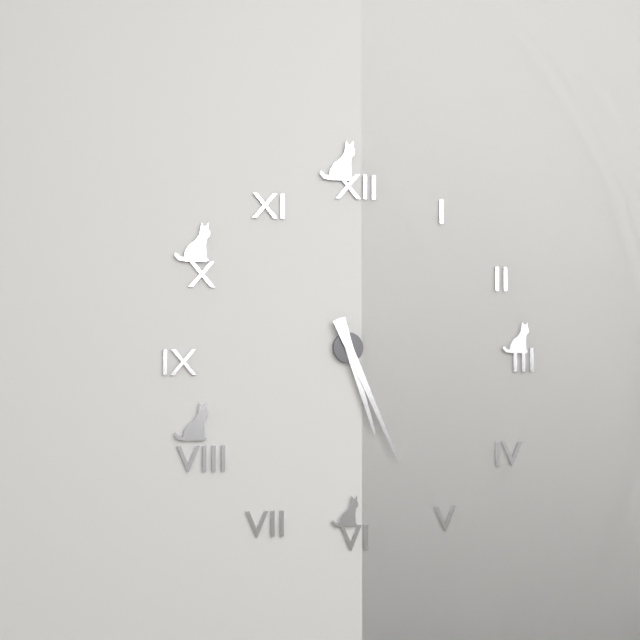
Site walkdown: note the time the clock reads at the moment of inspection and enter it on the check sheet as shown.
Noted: 5:26
